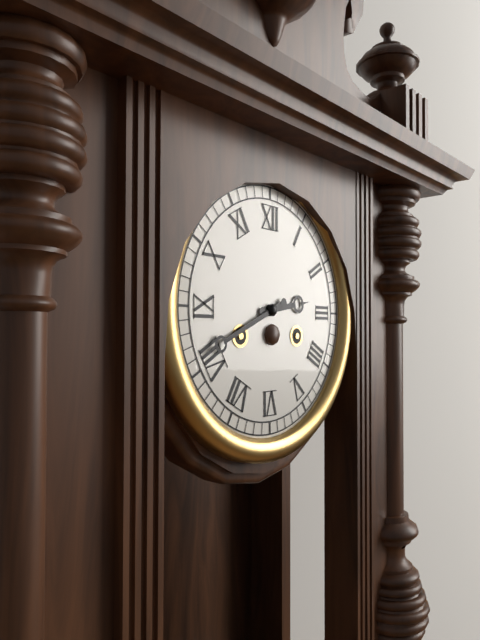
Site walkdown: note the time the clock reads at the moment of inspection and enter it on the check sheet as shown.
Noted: 2:41
